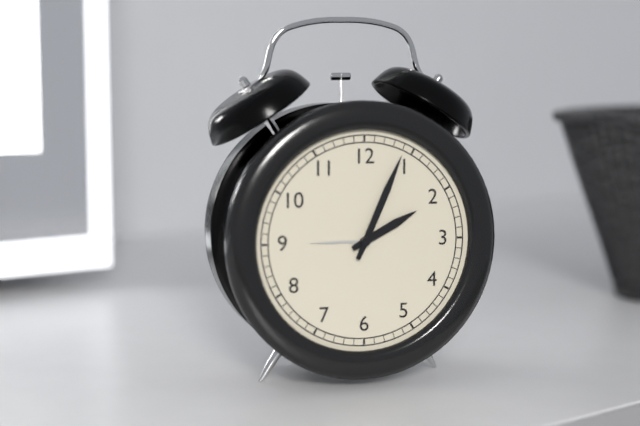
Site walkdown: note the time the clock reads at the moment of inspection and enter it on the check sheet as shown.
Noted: 2:04
